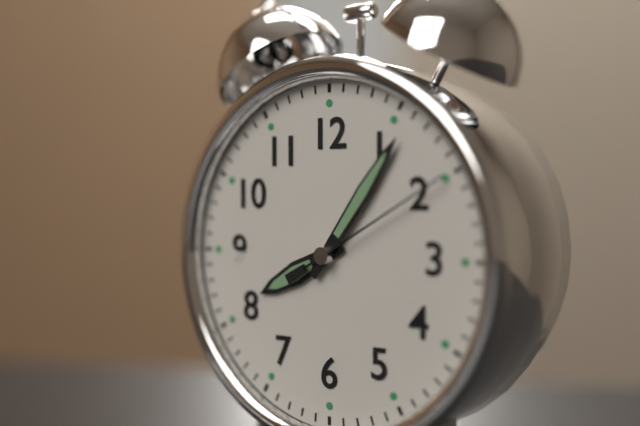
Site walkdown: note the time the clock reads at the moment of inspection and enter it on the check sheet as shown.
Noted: 8:06:10
